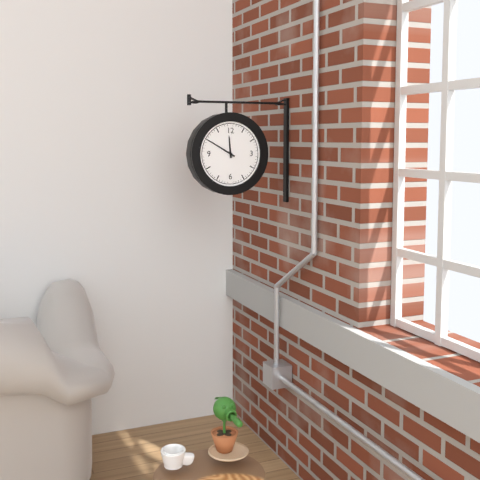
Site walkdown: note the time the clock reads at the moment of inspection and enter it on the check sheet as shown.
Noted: 11:50
